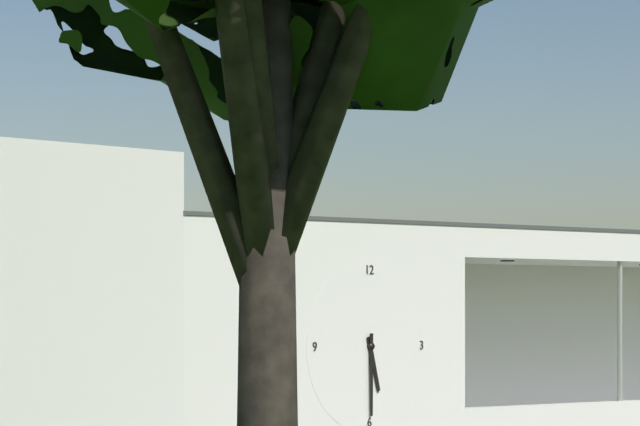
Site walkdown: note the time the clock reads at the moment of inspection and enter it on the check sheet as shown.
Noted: 5:30
